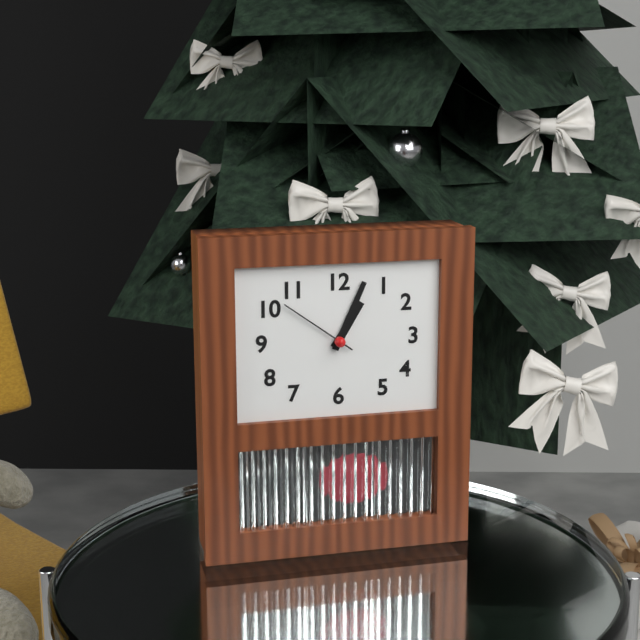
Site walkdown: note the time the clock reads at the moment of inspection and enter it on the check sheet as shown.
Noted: 1:04:51
